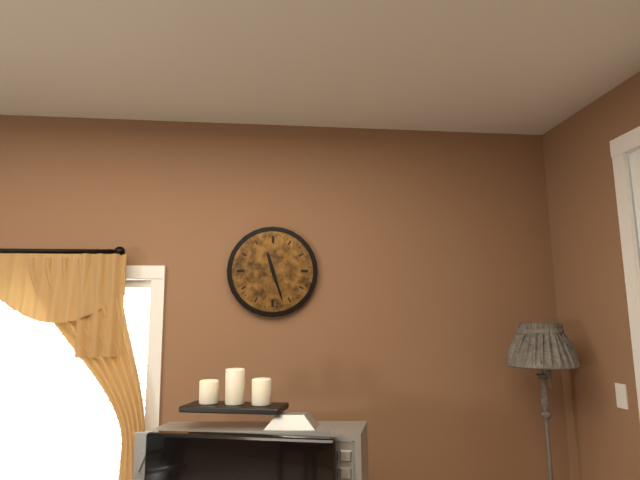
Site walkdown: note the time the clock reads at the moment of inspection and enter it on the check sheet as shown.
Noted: 11:27
